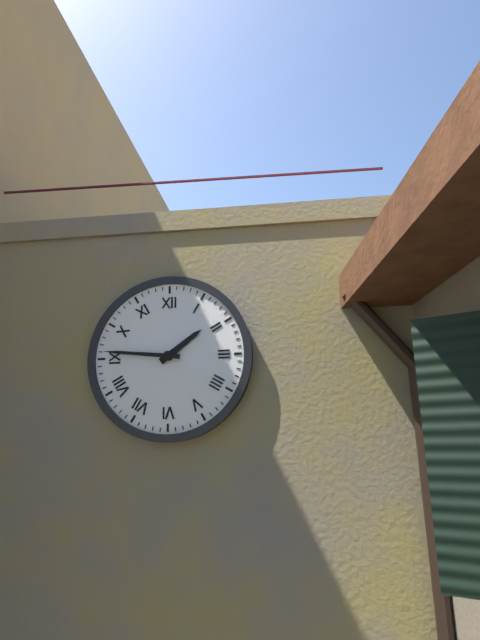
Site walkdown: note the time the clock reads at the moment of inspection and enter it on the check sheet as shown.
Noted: 1:46
